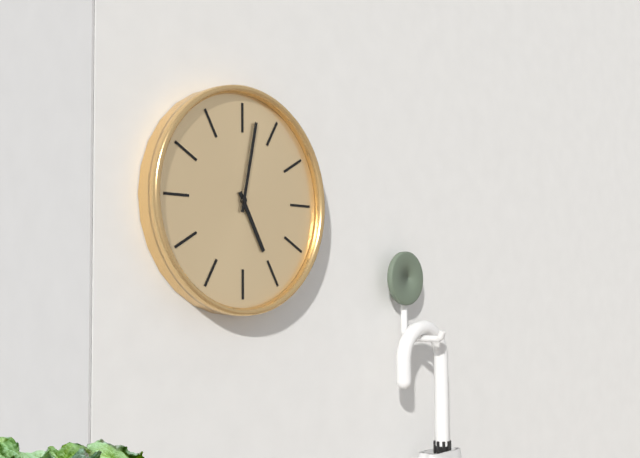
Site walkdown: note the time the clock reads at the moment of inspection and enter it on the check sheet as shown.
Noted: 5:02
